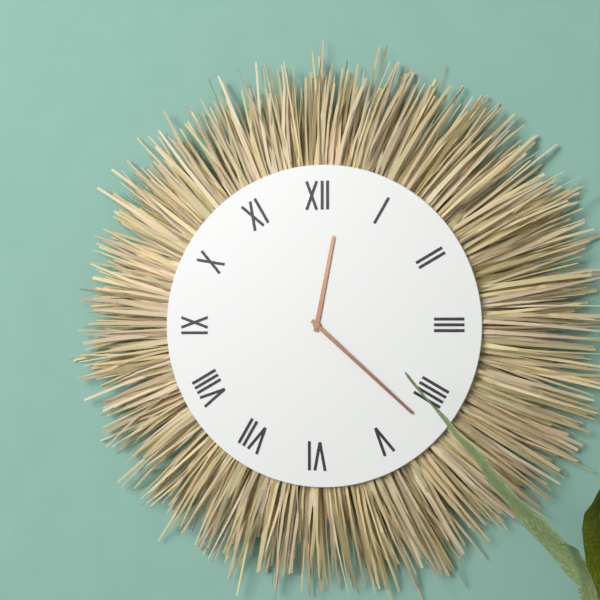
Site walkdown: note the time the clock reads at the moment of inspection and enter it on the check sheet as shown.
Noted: 12:22
